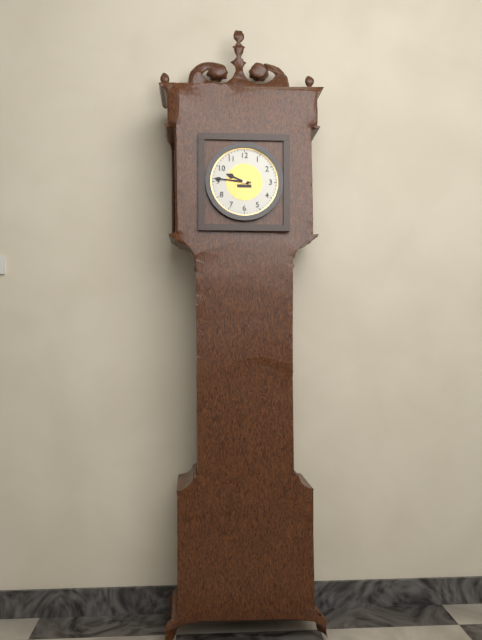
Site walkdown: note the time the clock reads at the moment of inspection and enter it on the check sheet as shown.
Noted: 9:46
